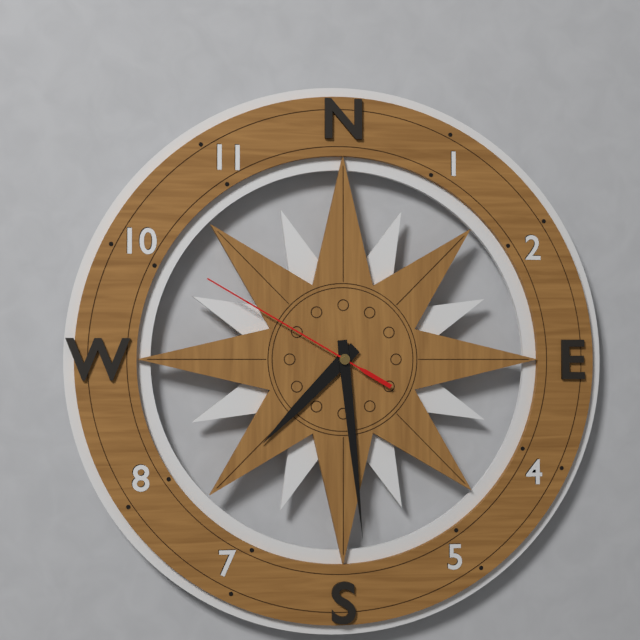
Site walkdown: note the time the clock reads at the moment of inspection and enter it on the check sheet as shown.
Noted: 7:29:50
